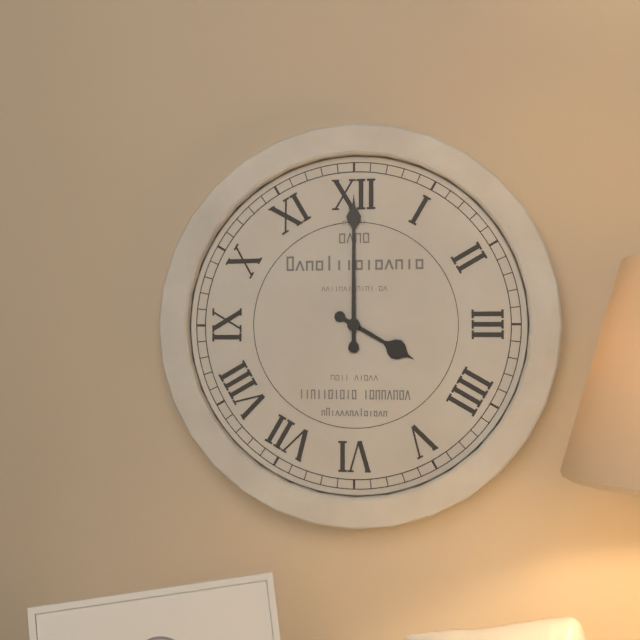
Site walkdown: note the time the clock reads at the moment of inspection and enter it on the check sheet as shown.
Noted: 4:00
